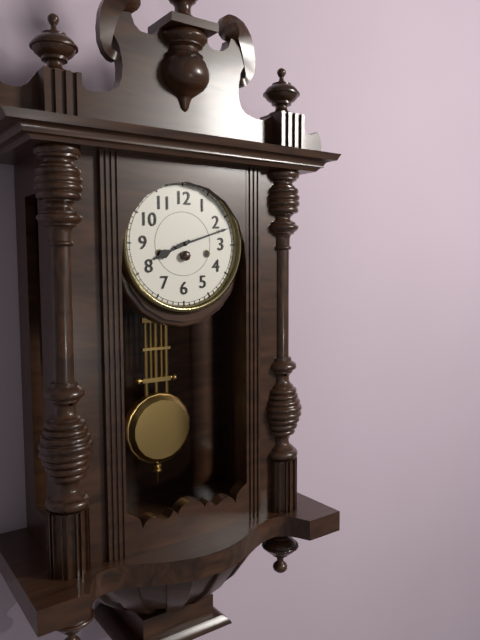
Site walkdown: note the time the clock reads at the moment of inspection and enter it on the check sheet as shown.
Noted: 8:12
